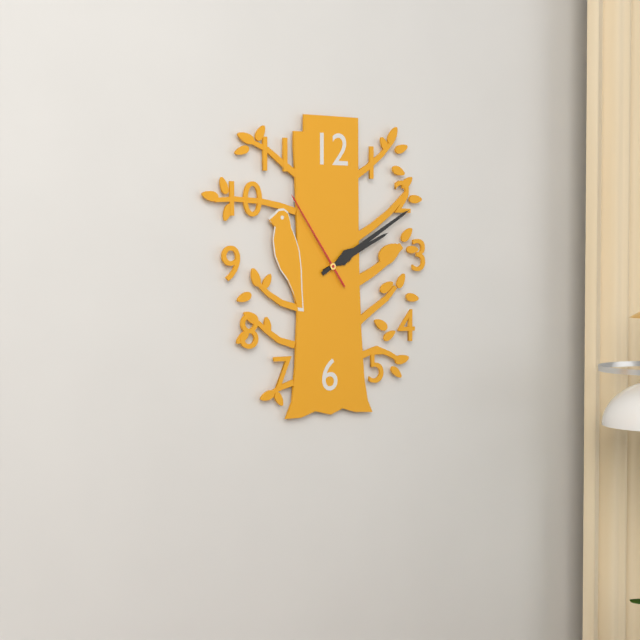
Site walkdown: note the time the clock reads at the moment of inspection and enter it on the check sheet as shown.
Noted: 2:10:54
